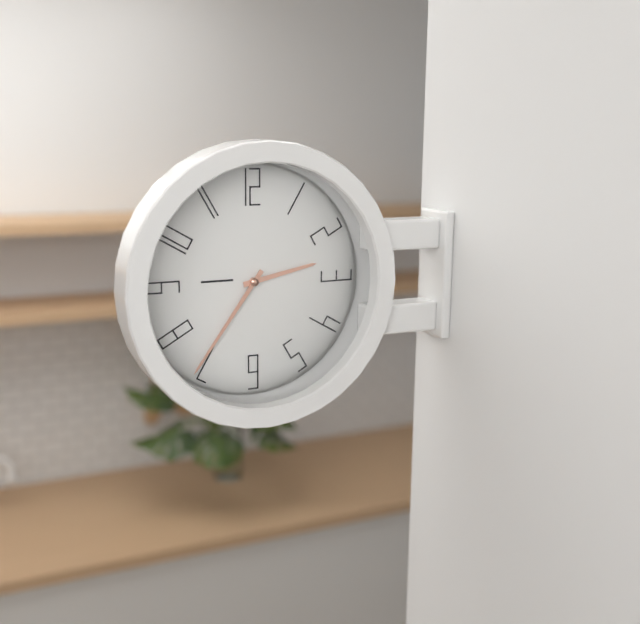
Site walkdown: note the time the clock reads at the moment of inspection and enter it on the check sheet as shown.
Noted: 2:36
